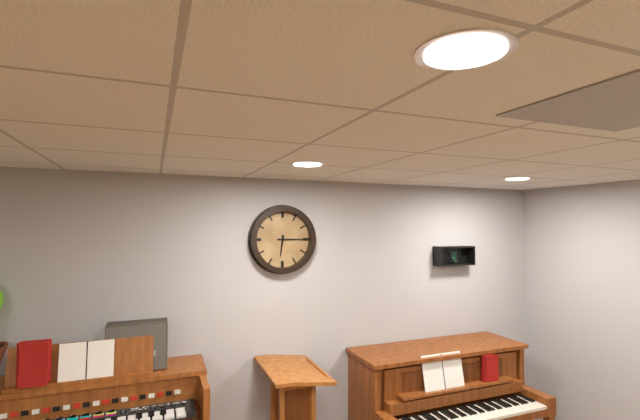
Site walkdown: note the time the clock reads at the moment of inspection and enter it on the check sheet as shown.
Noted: 6:15
